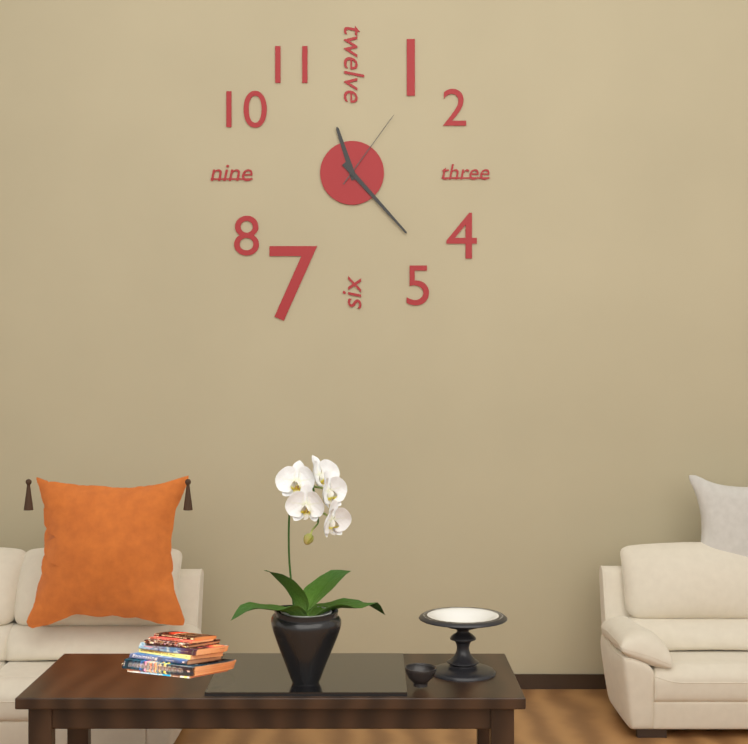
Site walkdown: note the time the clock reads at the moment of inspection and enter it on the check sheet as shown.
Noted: 11:23:06
